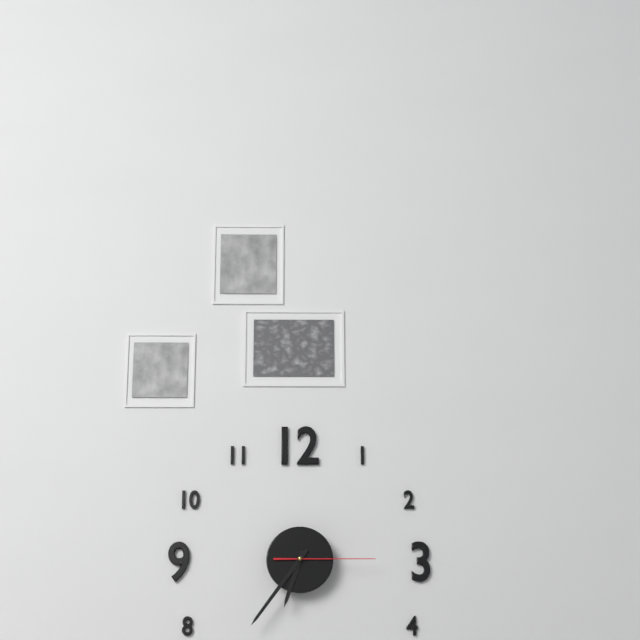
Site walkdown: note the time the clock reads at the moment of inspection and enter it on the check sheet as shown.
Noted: 6:36:15
